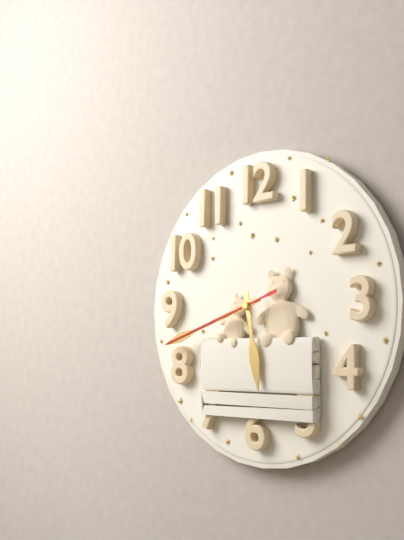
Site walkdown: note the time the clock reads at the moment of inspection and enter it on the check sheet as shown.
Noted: 5:42:42
